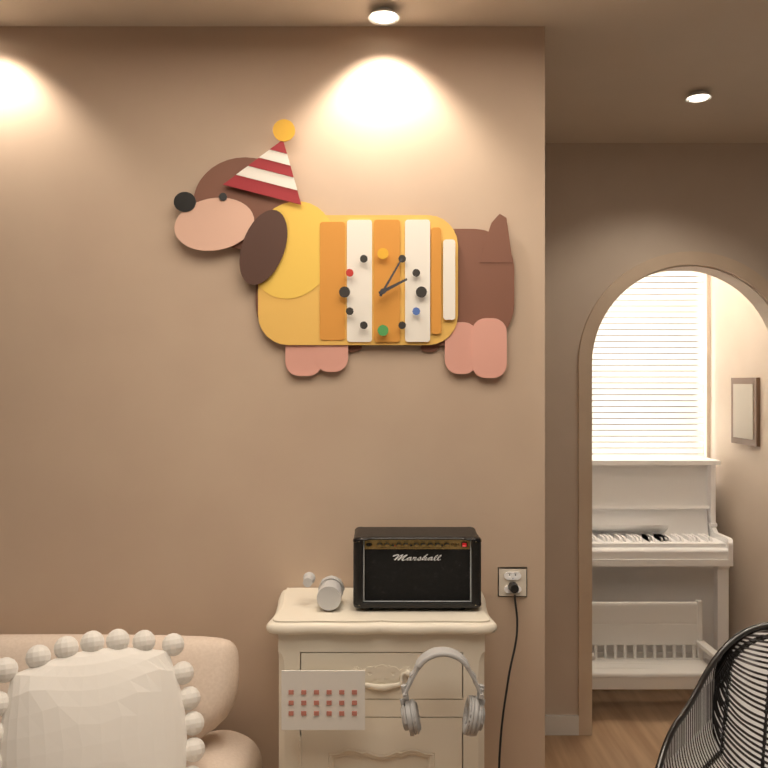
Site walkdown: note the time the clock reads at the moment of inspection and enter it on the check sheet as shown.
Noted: 2:05
